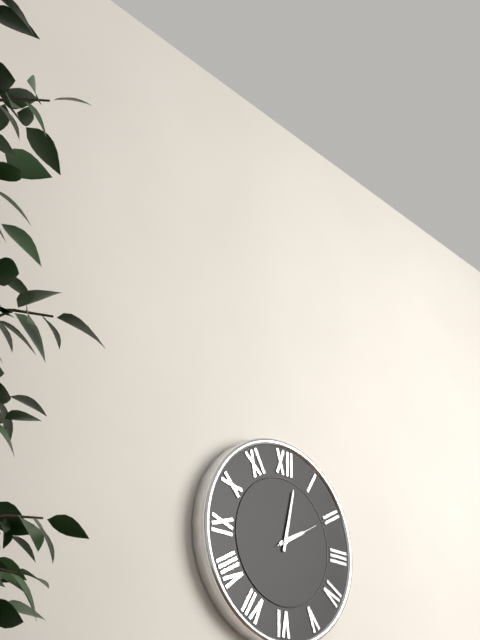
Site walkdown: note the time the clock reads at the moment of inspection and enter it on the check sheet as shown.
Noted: 2:02
